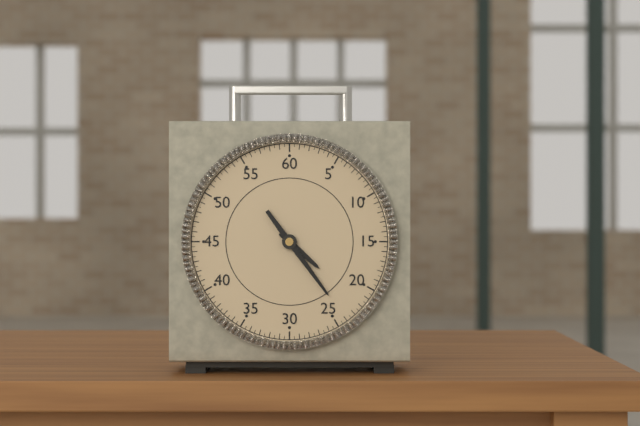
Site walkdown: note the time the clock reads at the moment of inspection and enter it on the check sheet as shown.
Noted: 4:24
